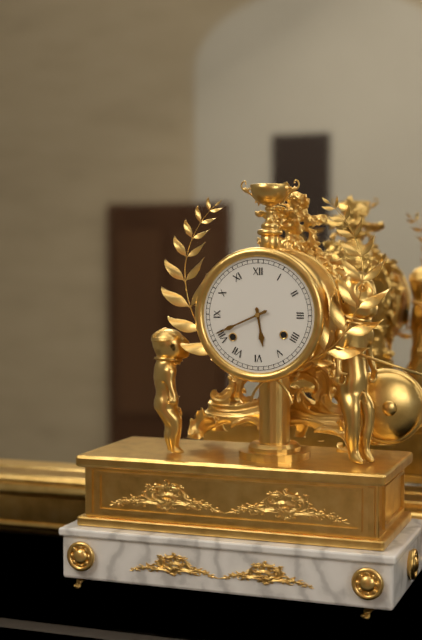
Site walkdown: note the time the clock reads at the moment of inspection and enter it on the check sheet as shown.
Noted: 5:41
